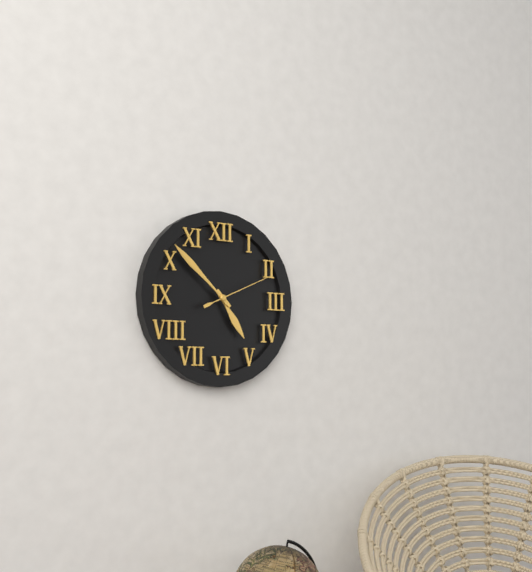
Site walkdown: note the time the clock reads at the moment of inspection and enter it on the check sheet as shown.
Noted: 4:52:11
